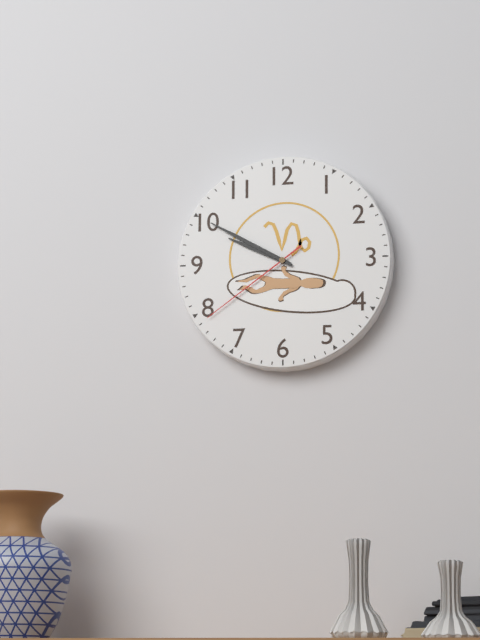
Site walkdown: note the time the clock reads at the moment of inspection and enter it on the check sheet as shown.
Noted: 9:50:39
